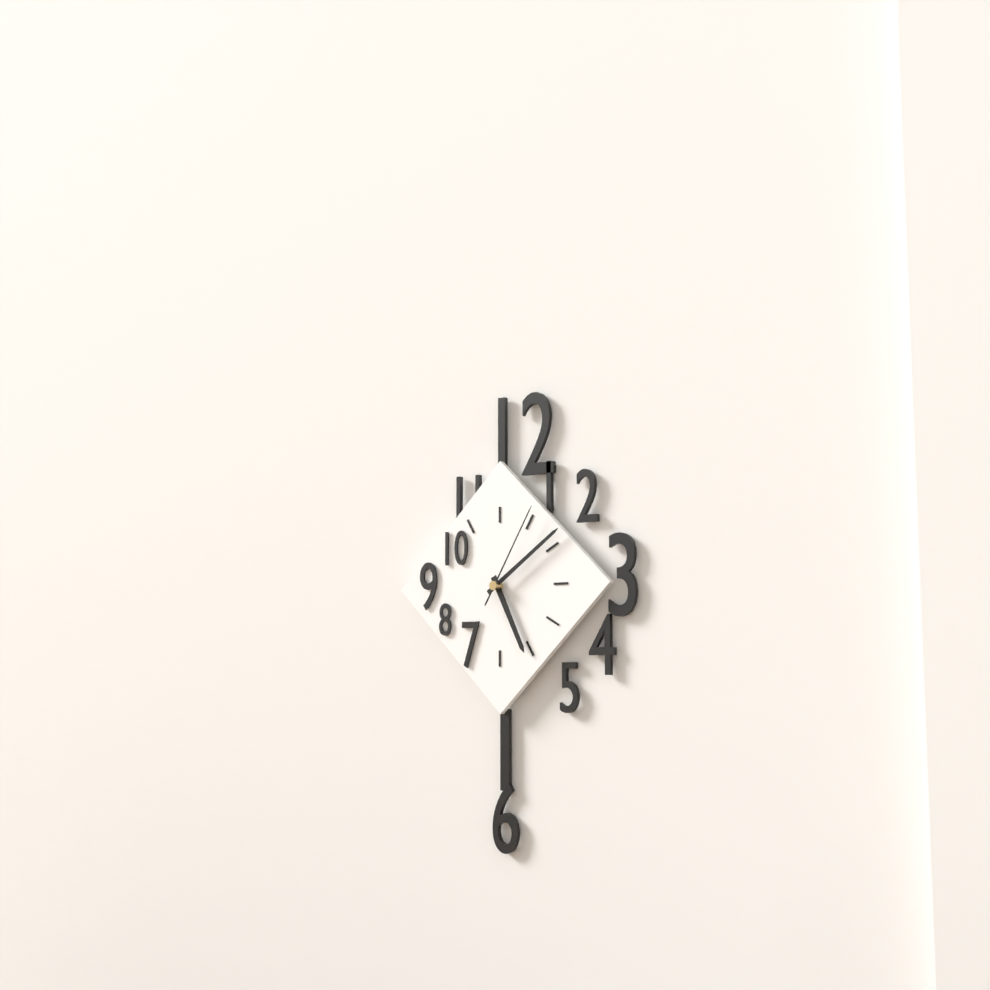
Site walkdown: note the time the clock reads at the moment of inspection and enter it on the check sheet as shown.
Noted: 5:09:05
